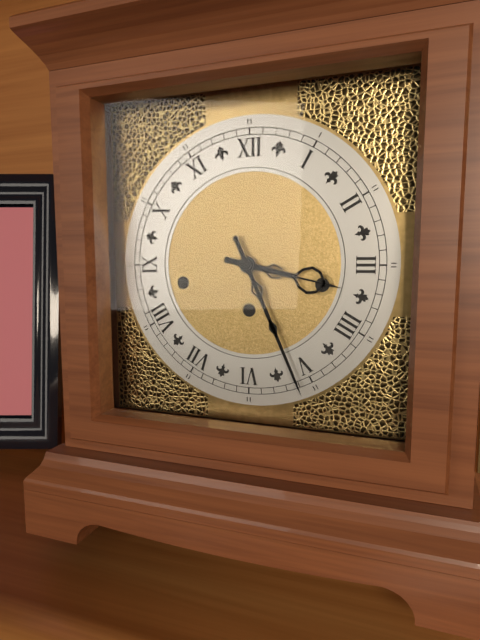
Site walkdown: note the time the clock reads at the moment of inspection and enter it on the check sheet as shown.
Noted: 3:26
